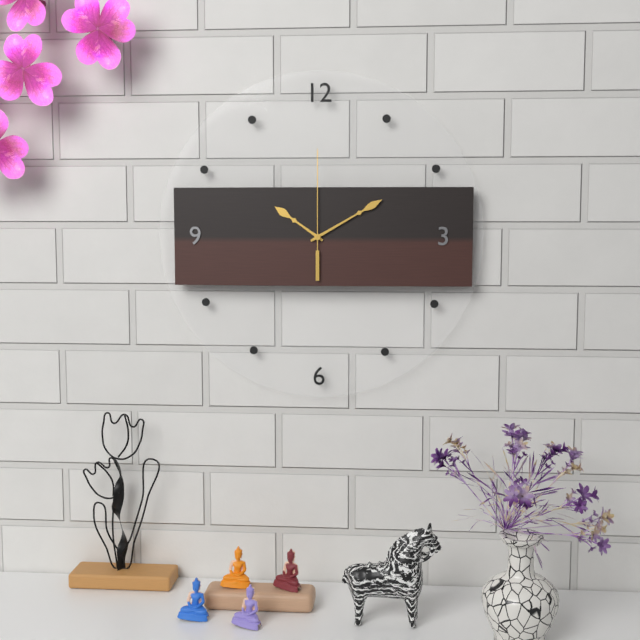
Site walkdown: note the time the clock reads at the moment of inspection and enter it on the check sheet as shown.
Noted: 10:10:00
